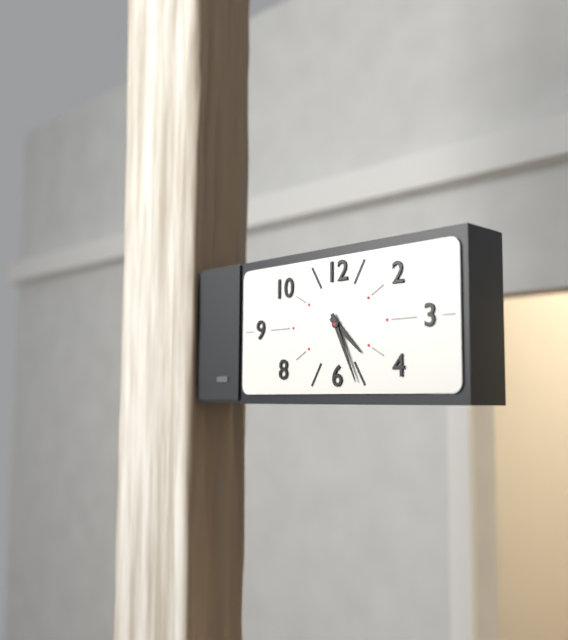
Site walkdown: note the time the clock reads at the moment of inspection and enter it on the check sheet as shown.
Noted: 4:26
